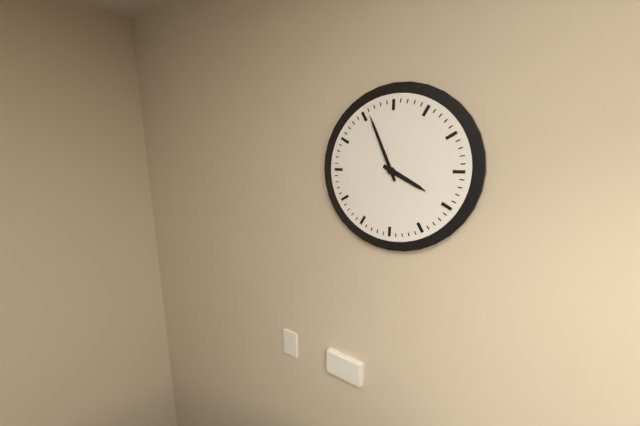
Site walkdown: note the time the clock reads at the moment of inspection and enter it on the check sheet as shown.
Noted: 3:56
